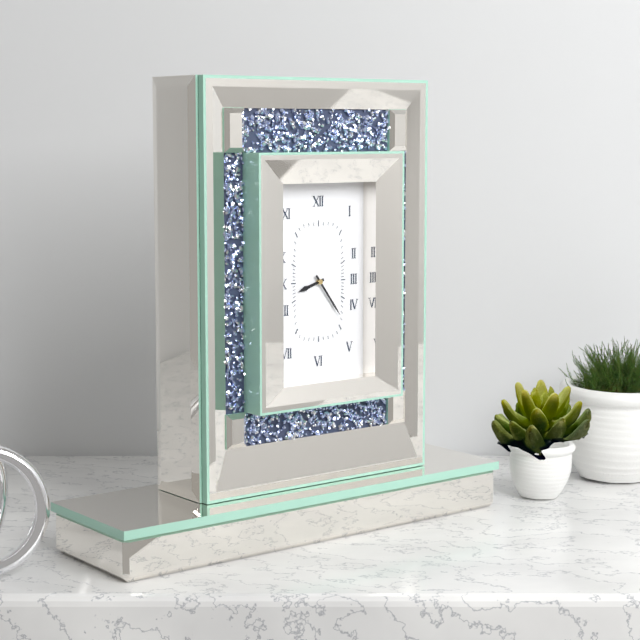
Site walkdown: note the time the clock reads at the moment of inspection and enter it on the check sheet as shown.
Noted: 8:24
